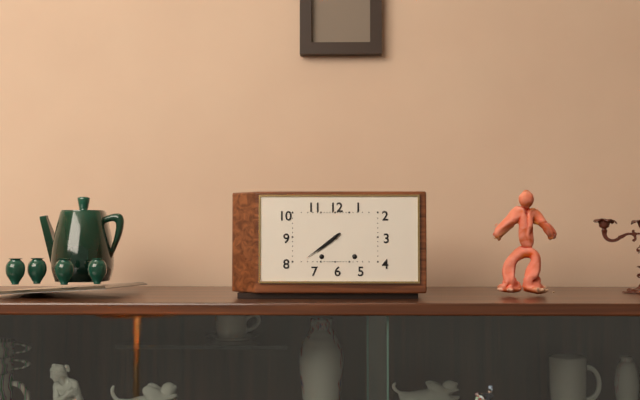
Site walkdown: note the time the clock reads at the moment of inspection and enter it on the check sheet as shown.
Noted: 7:39
